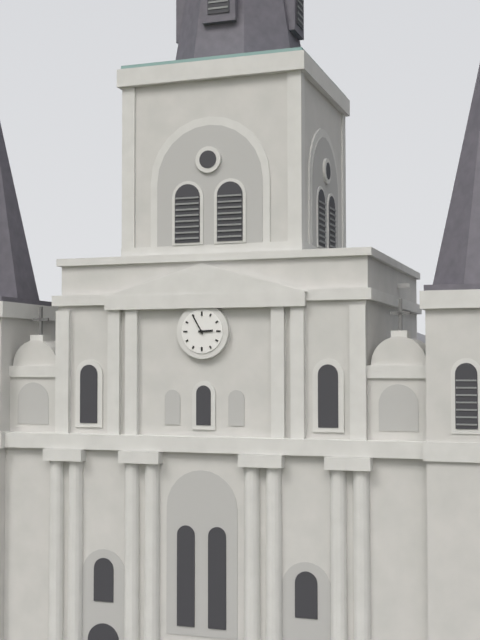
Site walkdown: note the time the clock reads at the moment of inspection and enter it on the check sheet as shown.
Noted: 2:55
